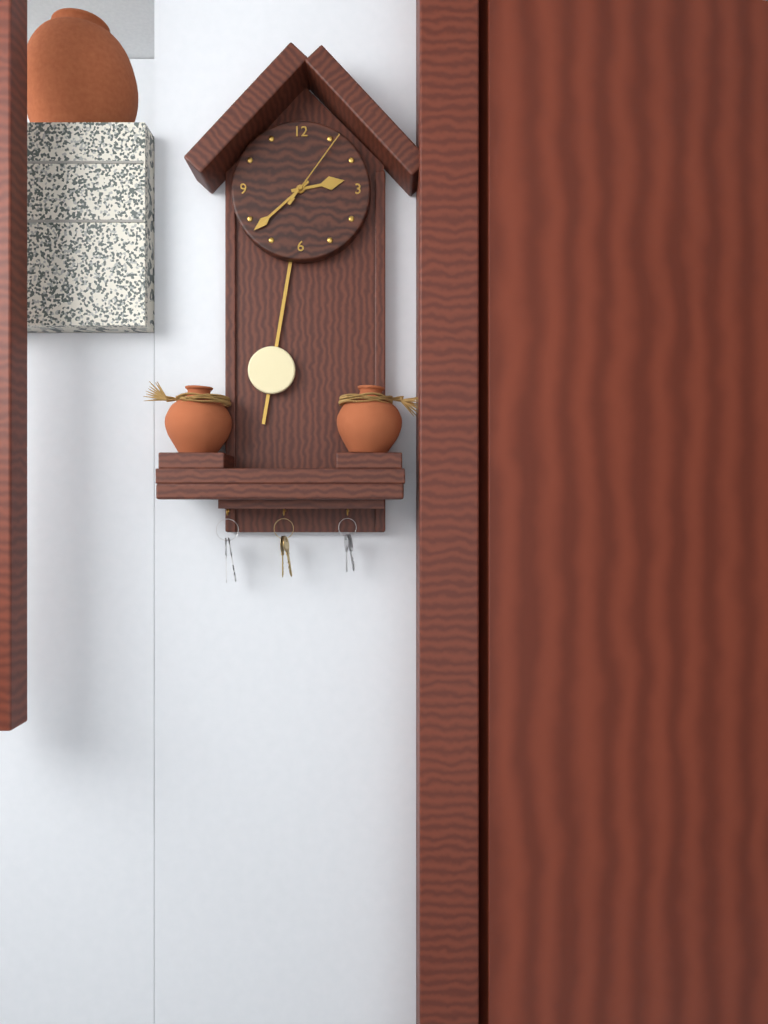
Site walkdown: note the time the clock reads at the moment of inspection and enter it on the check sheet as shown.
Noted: 2:38:06
